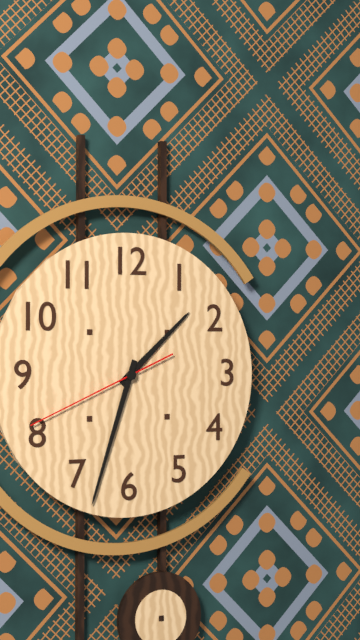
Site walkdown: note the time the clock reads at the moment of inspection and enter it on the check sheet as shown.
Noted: 1:33:41
